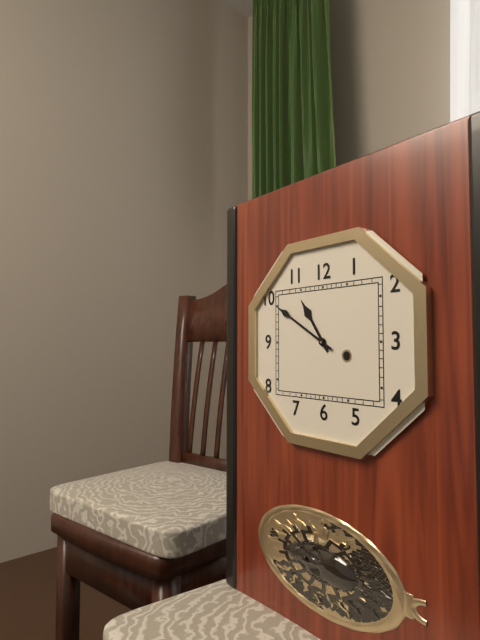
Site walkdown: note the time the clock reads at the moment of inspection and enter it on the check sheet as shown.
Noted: 10:50
